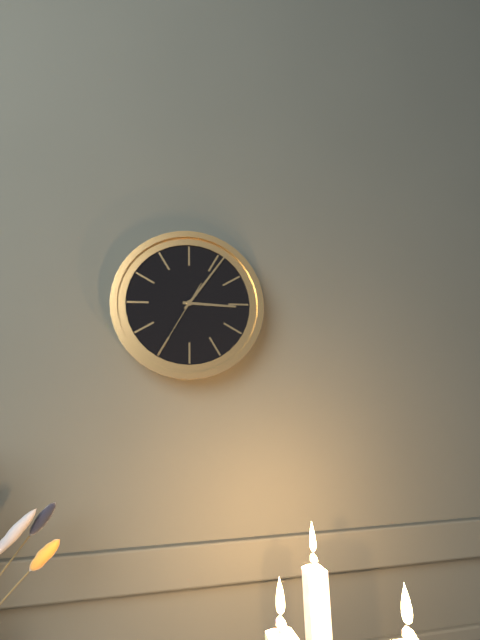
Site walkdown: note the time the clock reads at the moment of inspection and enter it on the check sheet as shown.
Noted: 3:06:35
